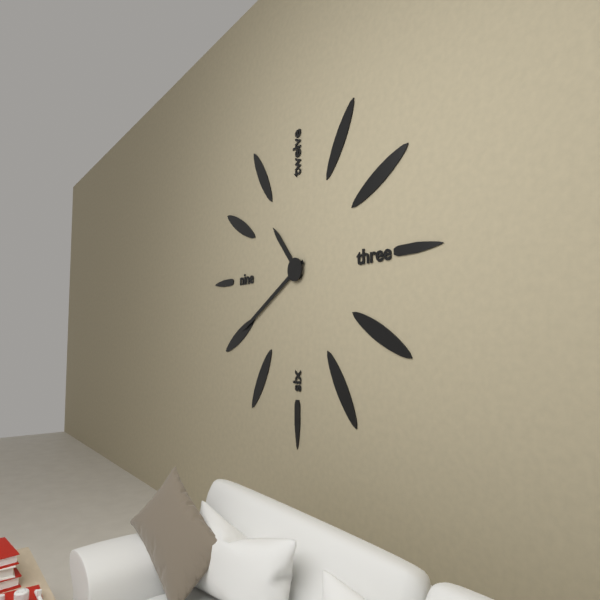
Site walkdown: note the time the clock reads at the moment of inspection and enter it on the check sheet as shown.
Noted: 10:40
